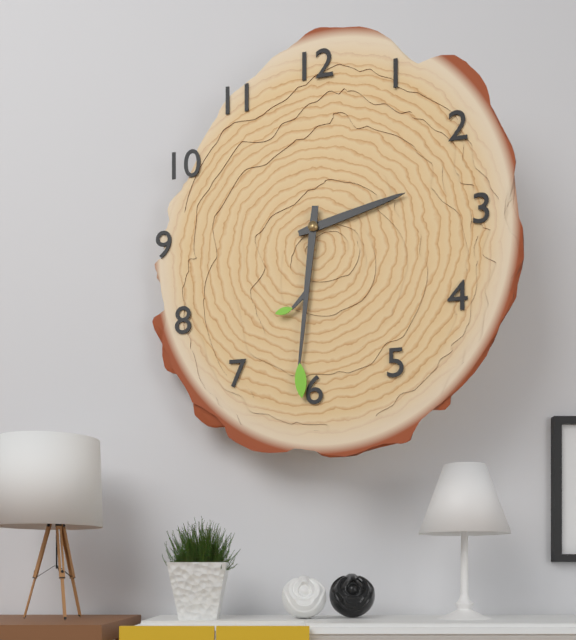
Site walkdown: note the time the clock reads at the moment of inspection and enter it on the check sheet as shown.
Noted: 2:31
